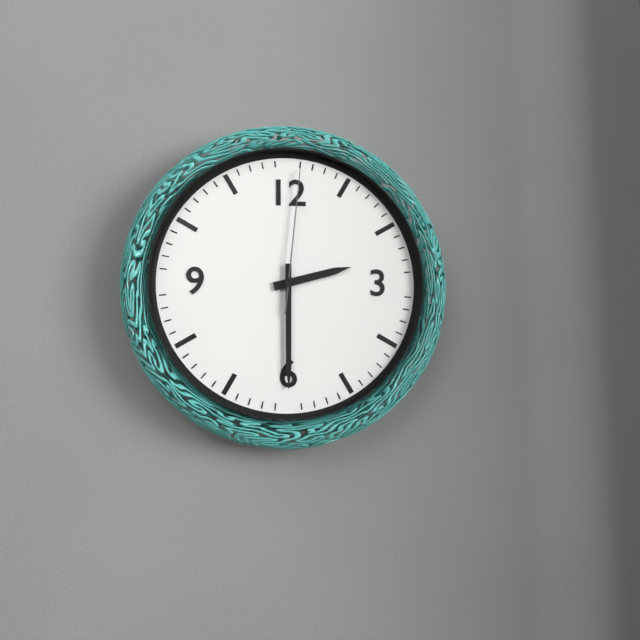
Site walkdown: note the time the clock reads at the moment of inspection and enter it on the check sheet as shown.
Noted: 2:30:01
